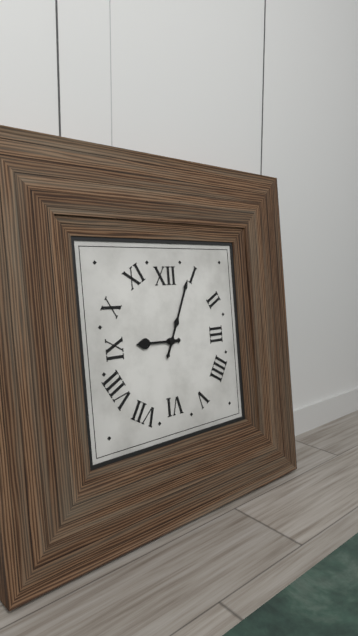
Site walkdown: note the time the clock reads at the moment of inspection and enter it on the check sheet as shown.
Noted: 9:04
